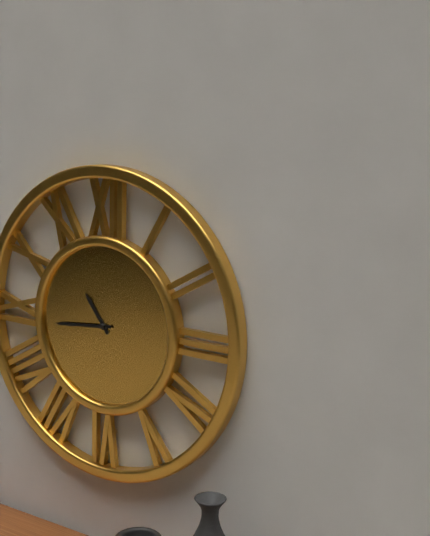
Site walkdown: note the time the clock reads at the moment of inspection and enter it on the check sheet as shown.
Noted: 10:44
